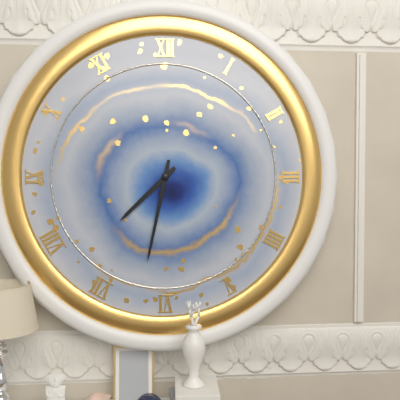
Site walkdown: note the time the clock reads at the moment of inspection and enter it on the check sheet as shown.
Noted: 7:32
